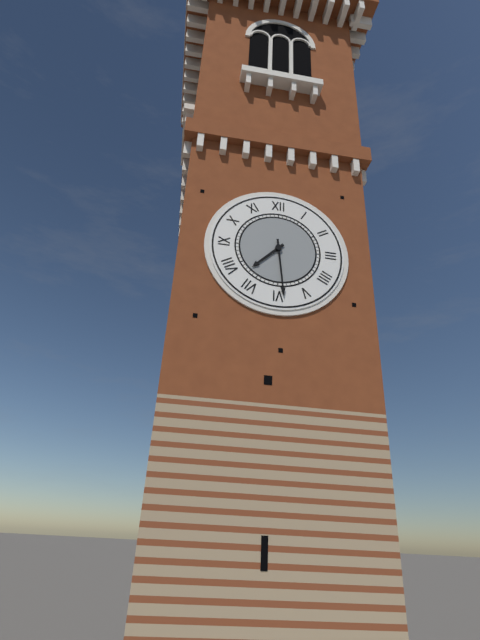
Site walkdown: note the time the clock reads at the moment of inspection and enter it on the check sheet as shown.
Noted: 7:29
